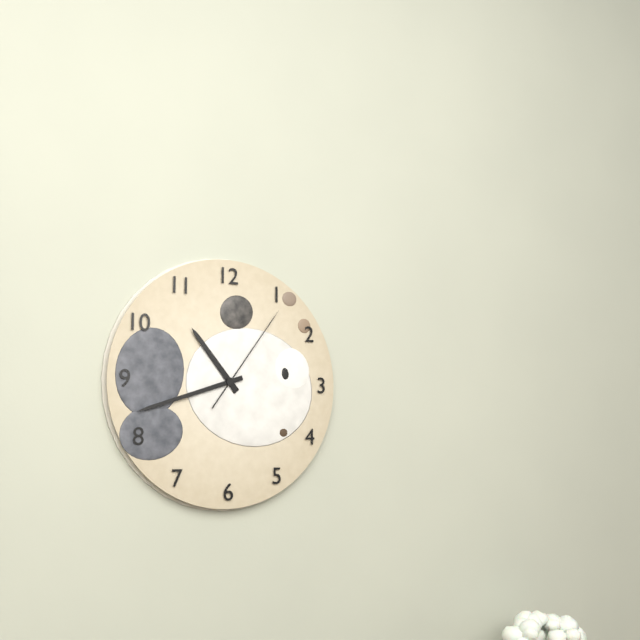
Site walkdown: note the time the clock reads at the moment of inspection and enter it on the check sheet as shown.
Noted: 10:42:06
